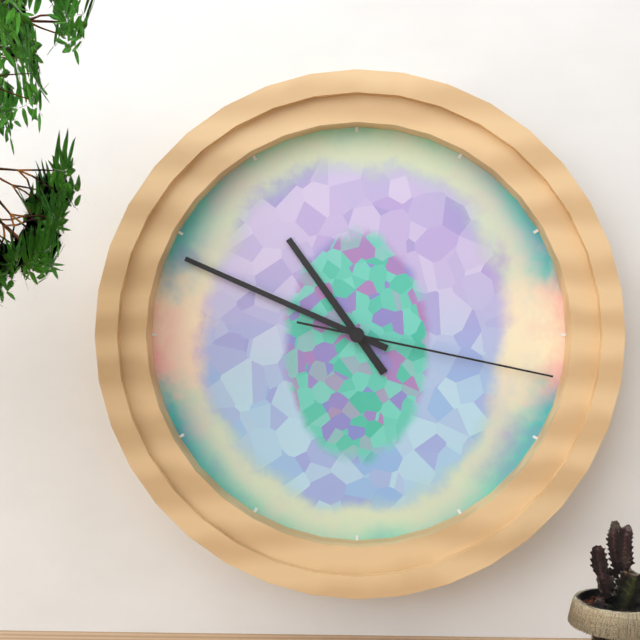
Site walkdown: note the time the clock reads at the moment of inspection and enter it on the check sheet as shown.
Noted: 10:49:17
